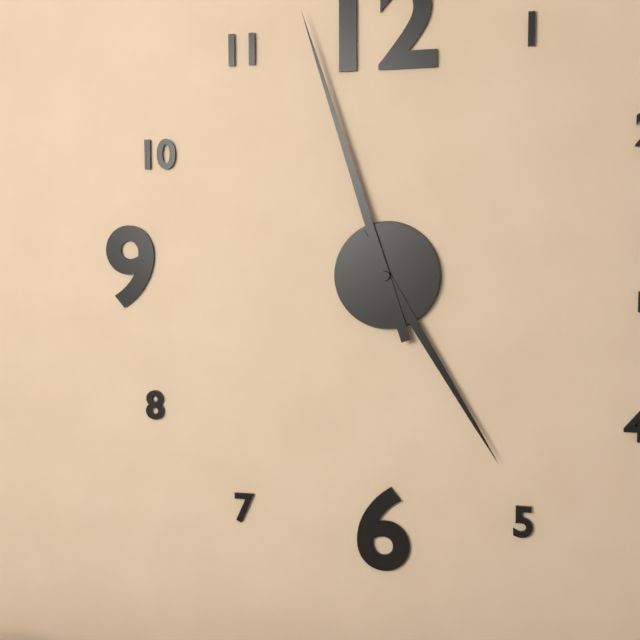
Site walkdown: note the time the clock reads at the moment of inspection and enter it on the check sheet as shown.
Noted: 4:57
